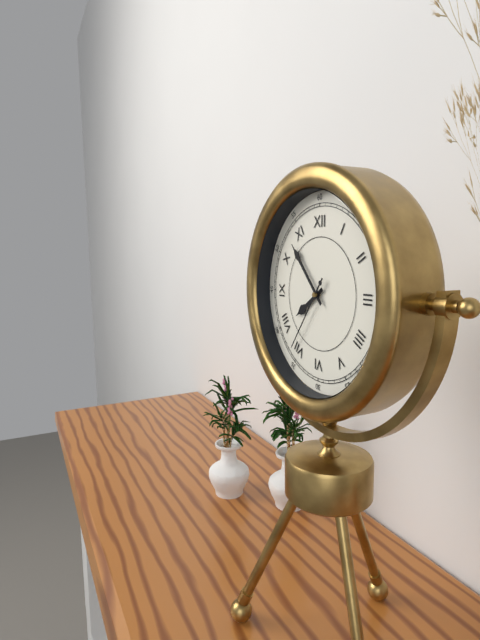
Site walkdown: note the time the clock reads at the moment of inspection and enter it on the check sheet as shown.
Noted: 7:53:36
